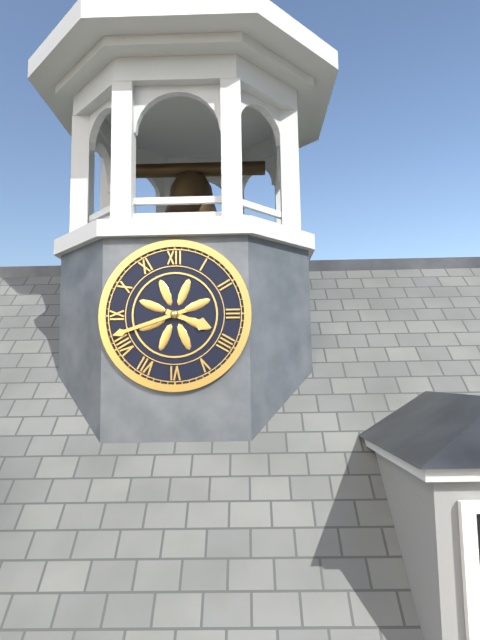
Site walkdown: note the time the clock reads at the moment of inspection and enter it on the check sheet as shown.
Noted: 3:42
